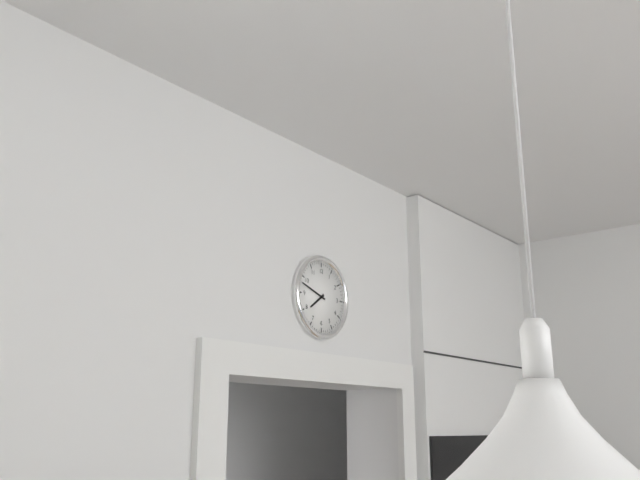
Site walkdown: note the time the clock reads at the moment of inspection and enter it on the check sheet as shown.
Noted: 7:48
